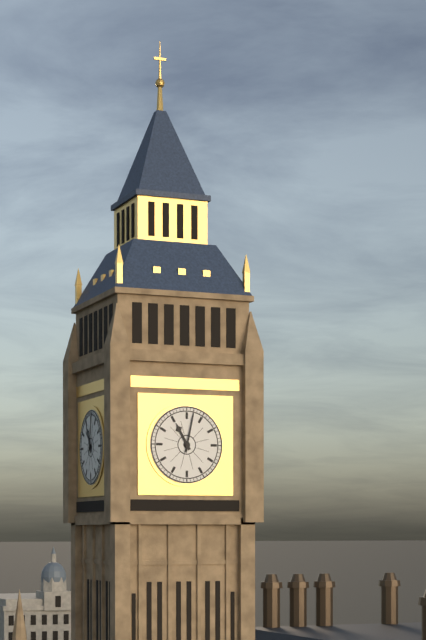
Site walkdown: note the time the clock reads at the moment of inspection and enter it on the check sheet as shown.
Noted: 11:02
